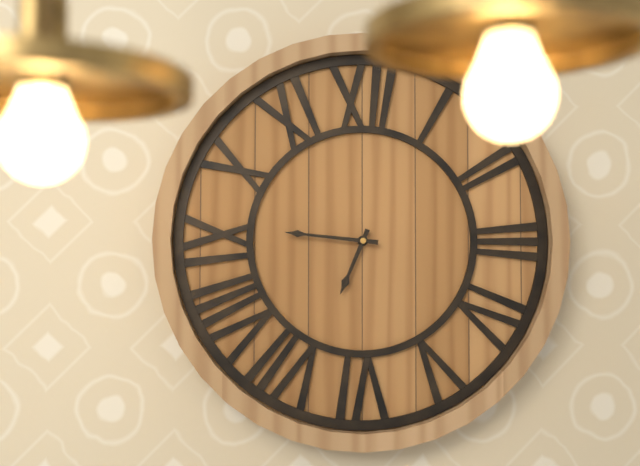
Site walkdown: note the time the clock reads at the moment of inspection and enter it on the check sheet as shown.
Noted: 6:46
